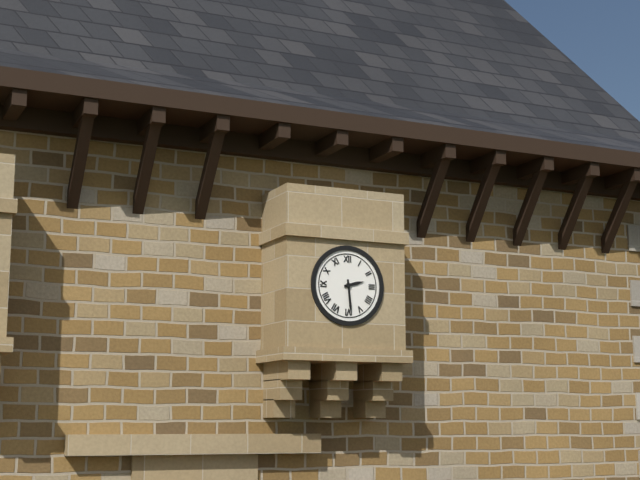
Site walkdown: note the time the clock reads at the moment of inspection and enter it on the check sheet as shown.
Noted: 2:29
